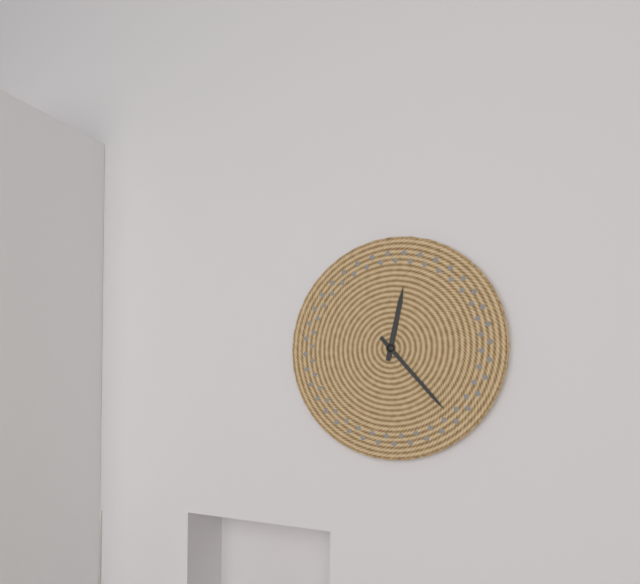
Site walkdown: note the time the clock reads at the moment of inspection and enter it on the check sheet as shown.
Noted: 12:23
